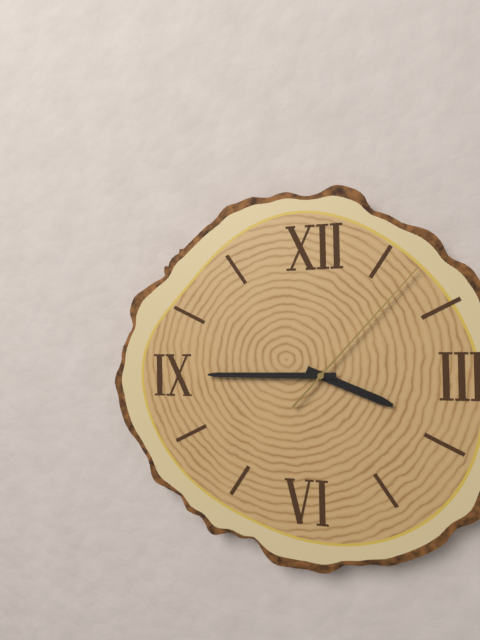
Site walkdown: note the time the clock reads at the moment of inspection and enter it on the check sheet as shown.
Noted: 3:45:07
